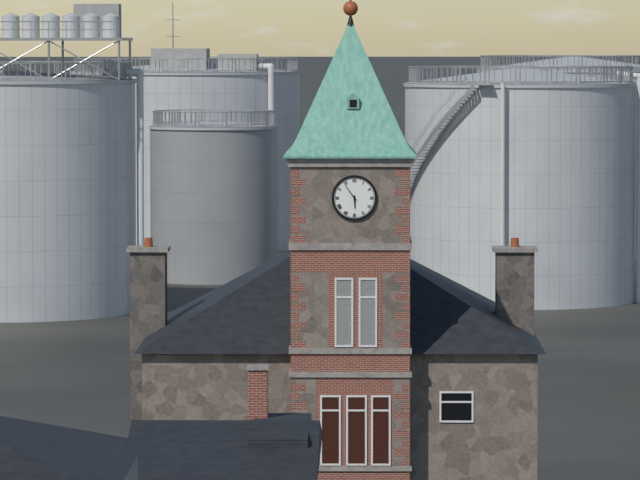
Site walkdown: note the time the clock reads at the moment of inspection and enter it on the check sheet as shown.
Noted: 5:54
